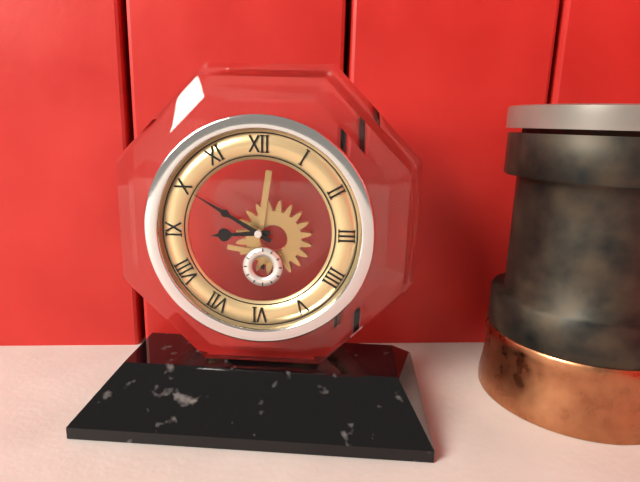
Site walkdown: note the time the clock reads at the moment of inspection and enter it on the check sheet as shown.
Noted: 8:50
